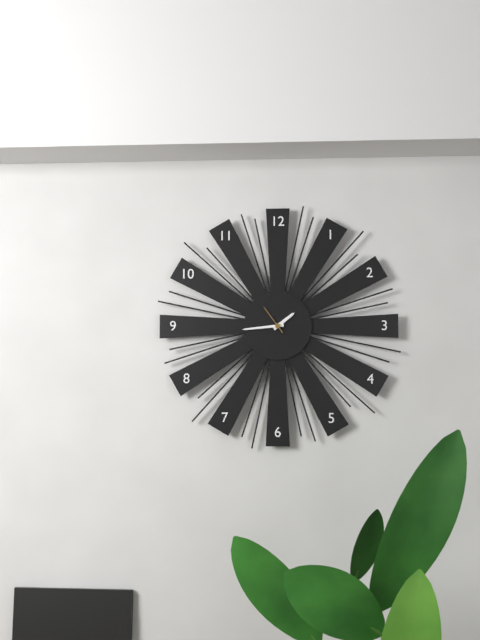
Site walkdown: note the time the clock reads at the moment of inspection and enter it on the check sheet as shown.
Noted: 1:44
